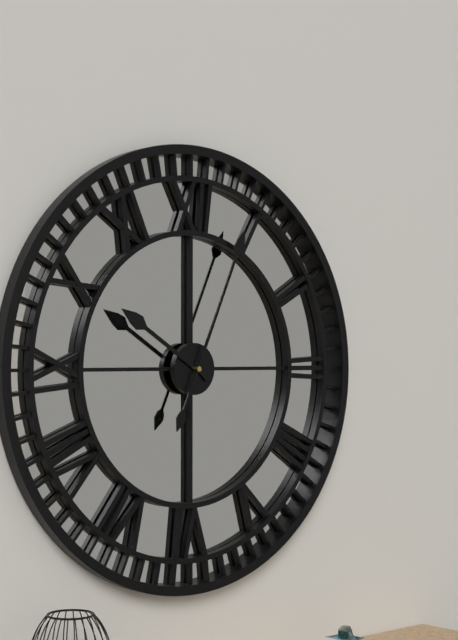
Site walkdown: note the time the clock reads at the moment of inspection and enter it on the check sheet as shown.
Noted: 10:04
